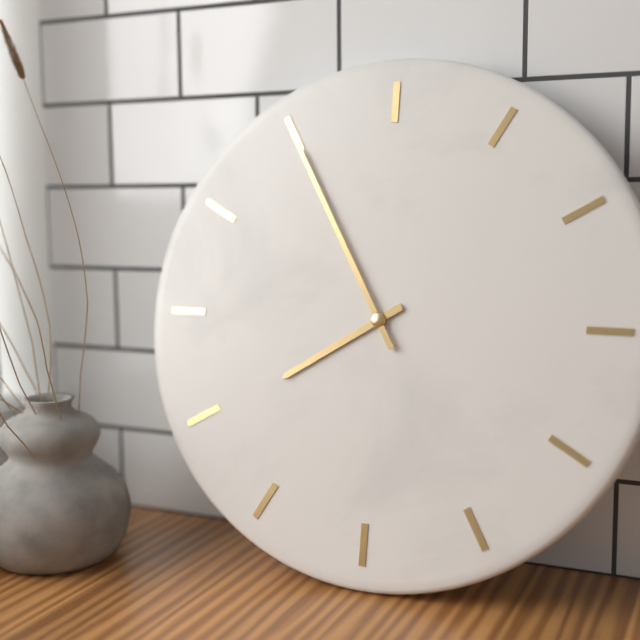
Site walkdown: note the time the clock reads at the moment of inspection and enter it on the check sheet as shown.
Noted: 7:55
